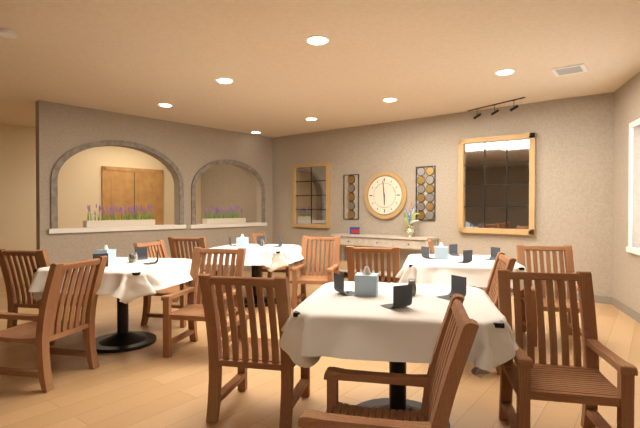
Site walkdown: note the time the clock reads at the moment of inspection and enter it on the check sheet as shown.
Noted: 5:59
